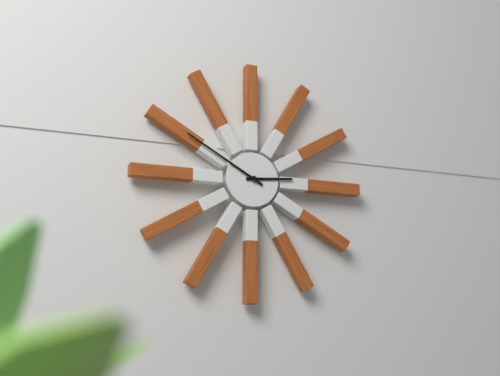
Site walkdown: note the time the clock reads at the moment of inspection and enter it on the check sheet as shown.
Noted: 2:50
